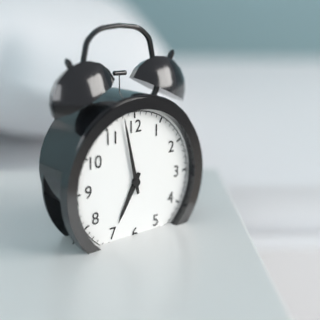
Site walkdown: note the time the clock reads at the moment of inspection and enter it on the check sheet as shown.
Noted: 6:58
